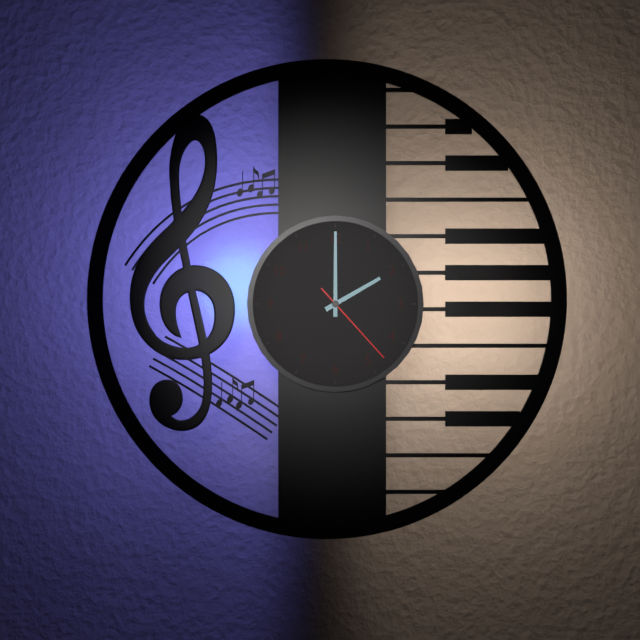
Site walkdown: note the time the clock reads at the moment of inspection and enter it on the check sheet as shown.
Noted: 2:00:23
